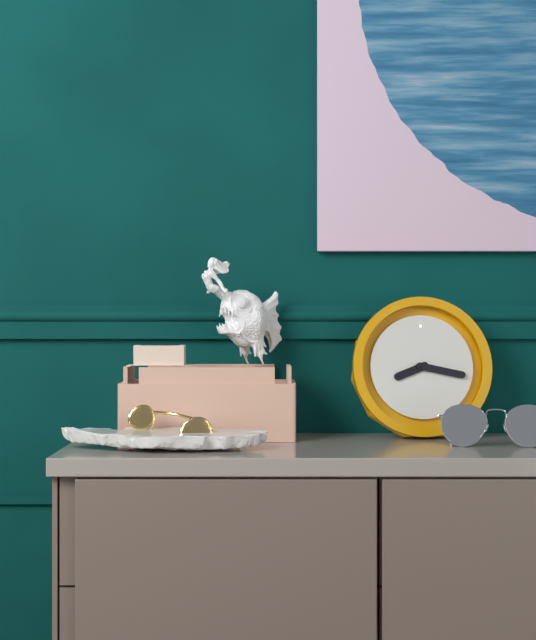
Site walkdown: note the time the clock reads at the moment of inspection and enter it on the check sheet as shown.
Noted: 8:17
